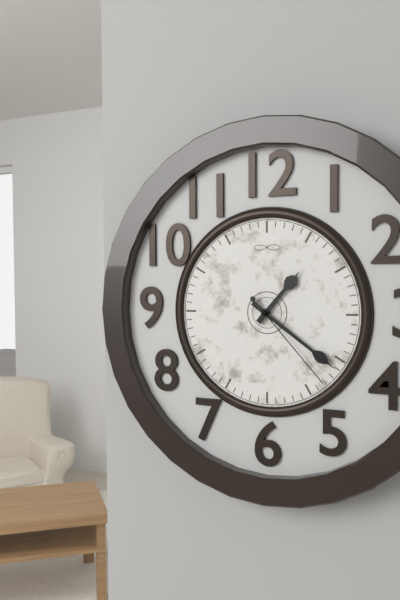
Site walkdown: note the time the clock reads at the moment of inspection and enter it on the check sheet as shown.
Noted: 1:21:23
